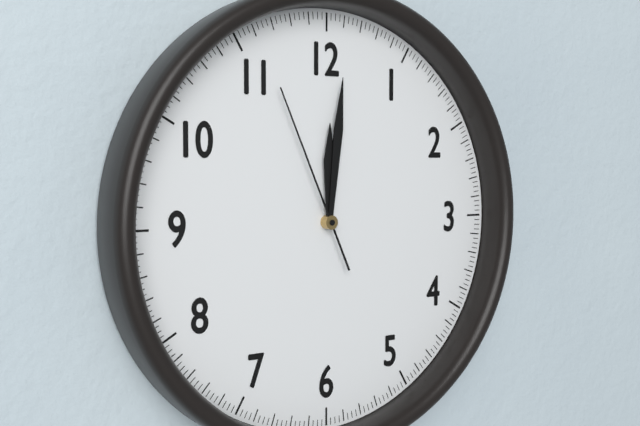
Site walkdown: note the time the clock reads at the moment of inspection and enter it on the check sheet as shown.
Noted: 12:01:56
